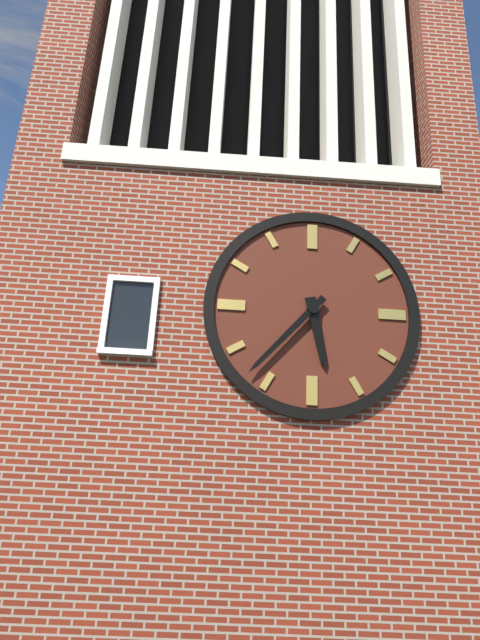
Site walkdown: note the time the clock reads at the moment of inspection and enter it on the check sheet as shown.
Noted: 5:37
